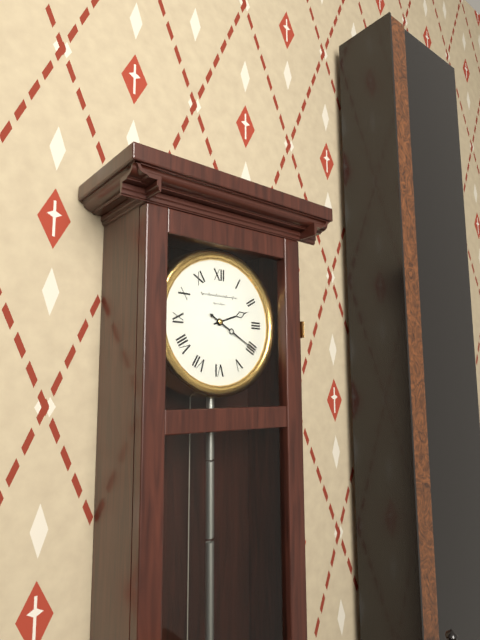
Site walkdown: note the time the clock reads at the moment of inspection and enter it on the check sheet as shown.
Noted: 2:20
